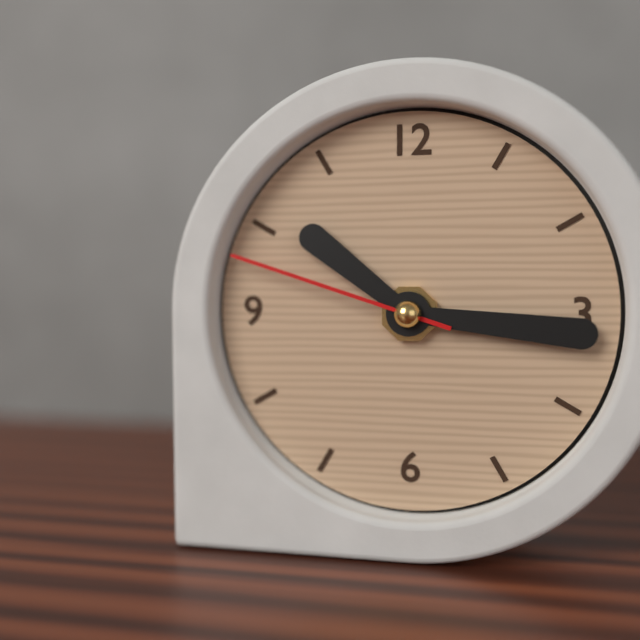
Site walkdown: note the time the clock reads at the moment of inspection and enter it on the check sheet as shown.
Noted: 10:16:48
